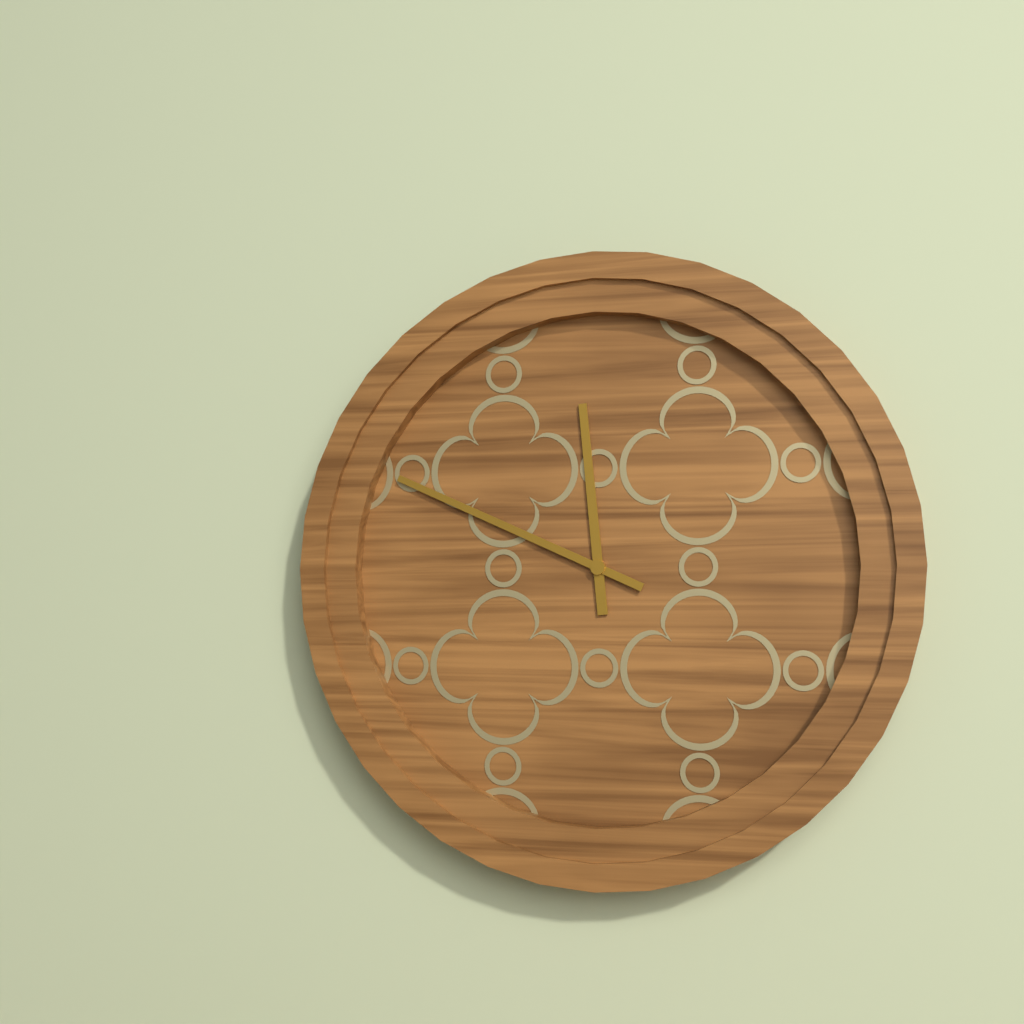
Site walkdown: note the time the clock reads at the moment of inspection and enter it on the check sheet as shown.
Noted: 11:49
